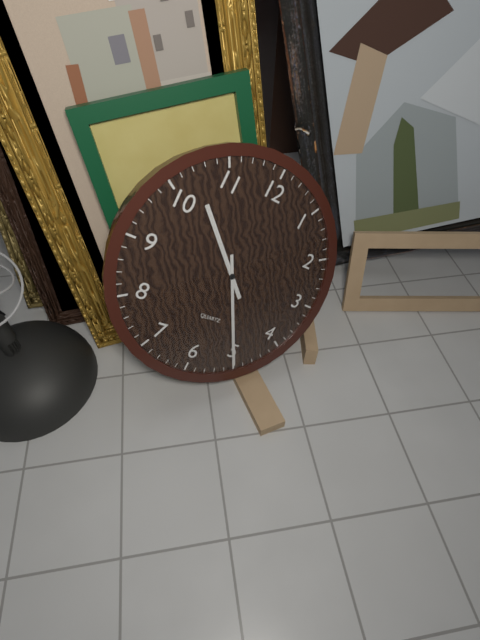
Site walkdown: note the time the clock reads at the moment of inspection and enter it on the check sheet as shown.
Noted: 10:25
